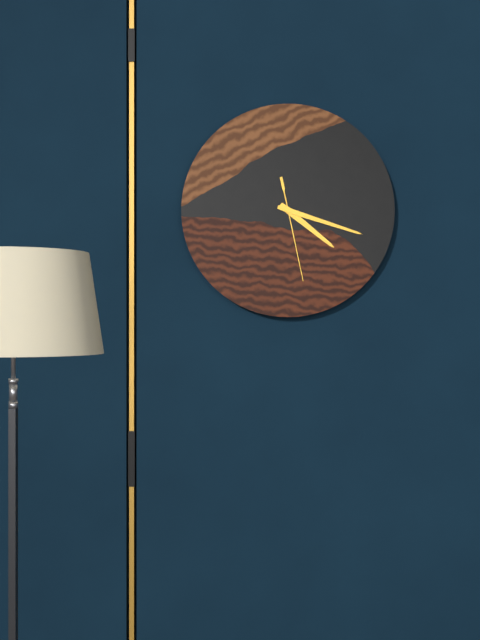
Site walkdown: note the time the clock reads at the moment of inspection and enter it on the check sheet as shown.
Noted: 4:18:28
